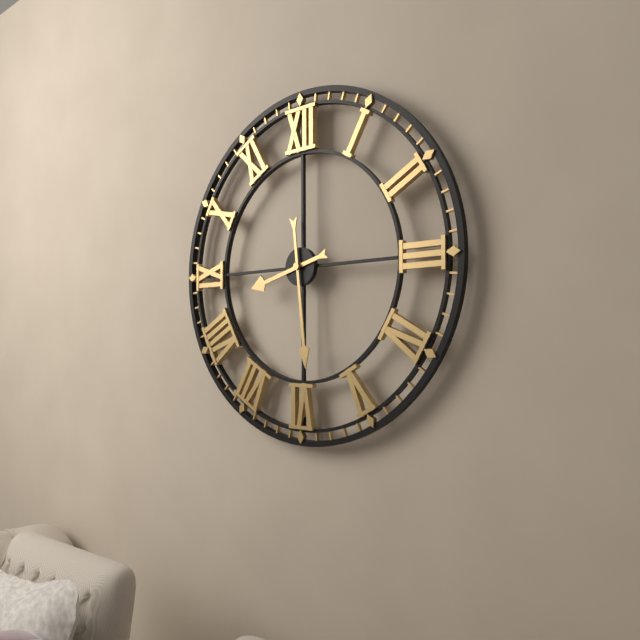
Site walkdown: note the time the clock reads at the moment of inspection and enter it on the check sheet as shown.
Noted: 8:29
